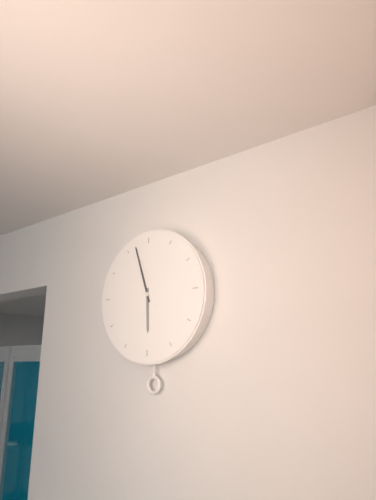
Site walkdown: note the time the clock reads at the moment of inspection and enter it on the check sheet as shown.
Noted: 5:57
